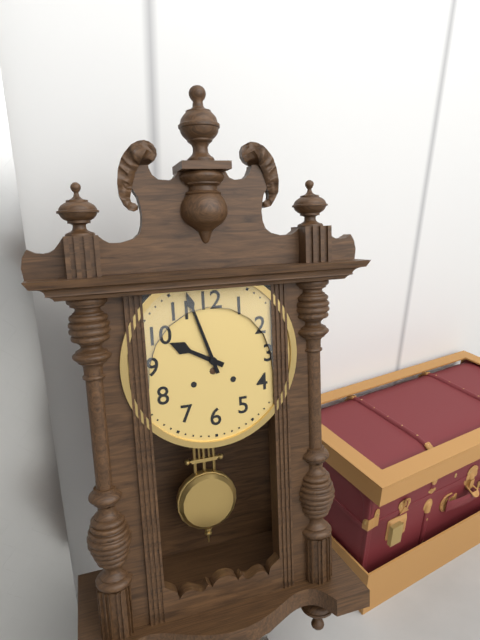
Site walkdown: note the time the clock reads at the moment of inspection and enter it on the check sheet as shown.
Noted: 9:57
